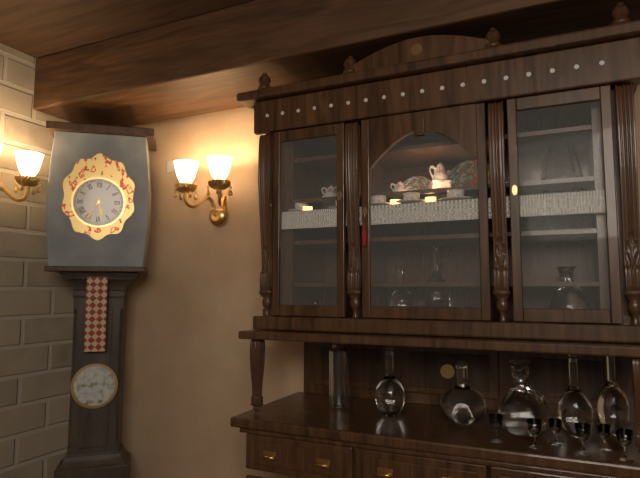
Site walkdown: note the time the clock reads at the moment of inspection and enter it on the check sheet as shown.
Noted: 5:35
